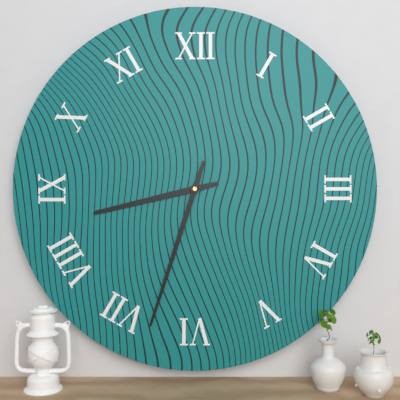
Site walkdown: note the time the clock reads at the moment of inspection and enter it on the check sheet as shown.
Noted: 8:33
